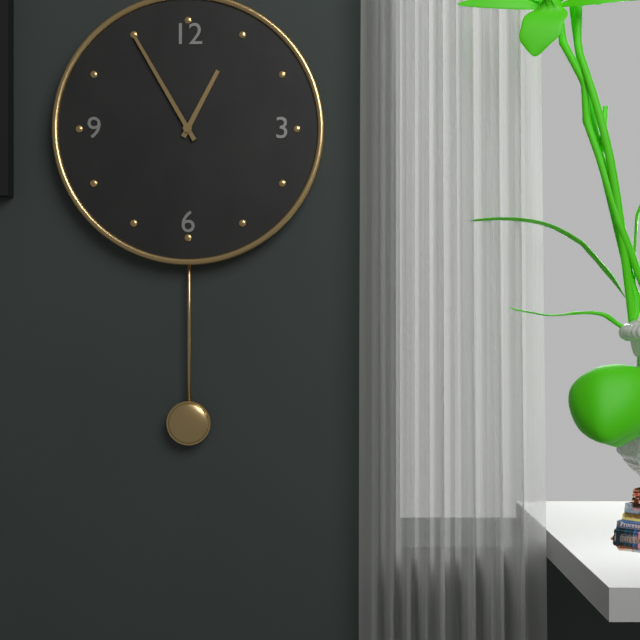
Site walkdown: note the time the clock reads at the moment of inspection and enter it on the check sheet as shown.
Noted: 12:55
